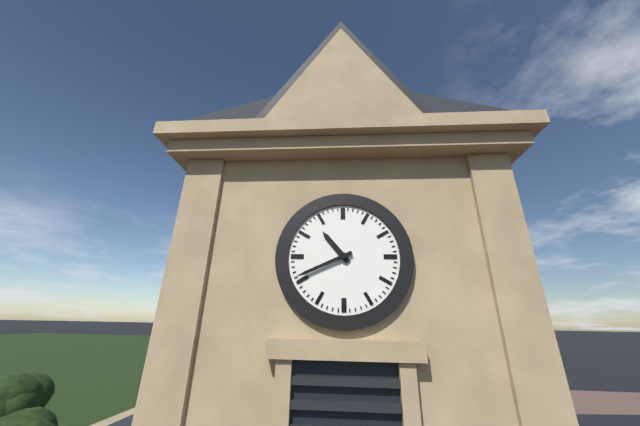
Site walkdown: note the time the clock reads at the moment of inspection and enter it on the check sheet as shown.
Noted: 10:41
